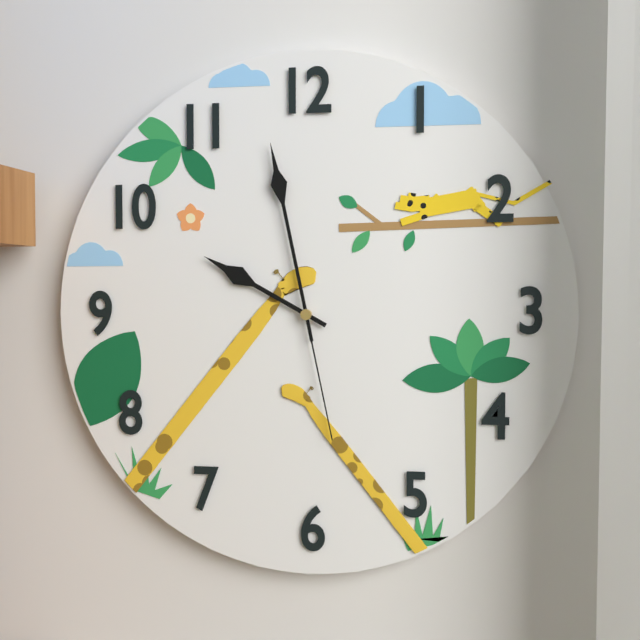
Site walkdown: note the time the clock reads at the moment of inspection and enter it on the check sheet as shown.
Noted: 9:58:28
